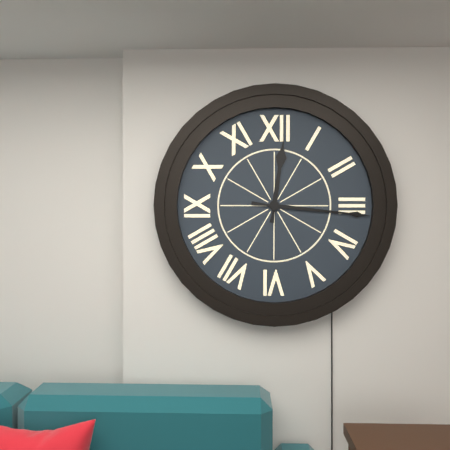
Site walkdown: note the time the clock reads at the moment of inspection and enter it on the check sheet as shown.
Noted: 12:16
